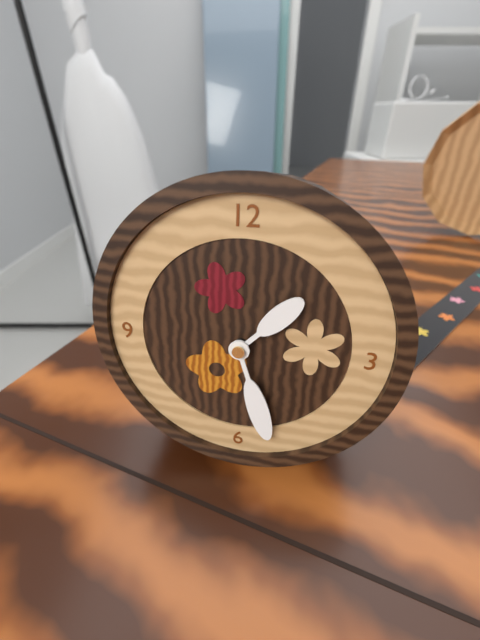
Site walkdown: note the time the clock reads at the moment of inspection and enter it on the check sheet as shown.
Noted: 1:27
